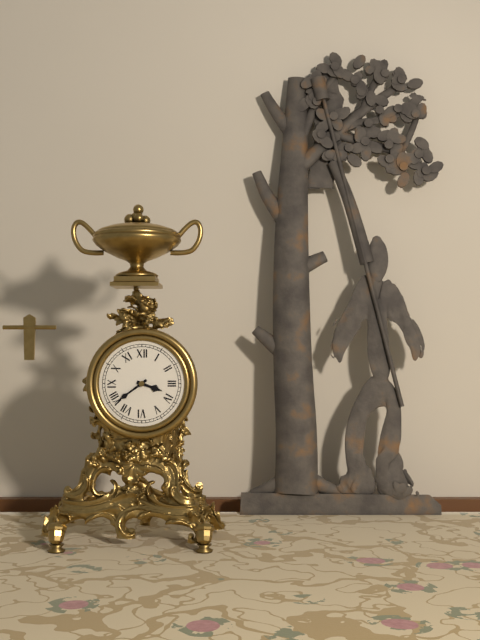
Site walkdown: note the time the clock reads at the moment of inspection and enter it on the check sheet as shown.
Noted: 3:39
